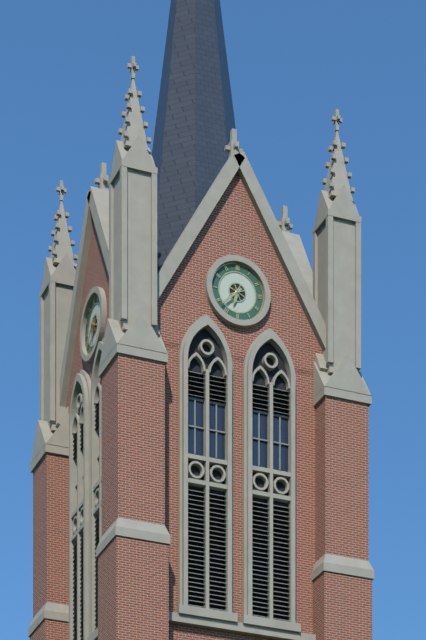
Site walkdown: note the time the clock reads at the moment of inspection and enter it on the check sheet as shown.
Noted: 6:38
